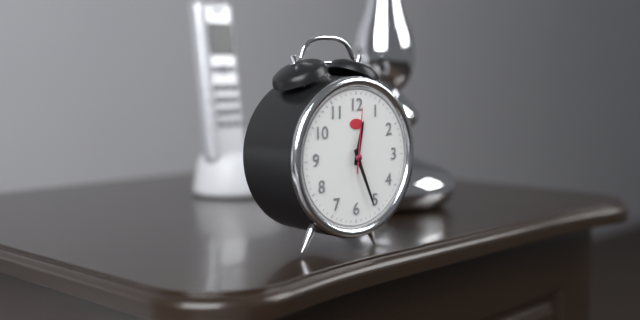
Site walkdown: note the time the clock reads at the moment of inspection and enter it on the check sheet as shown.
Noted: 12:26:01
